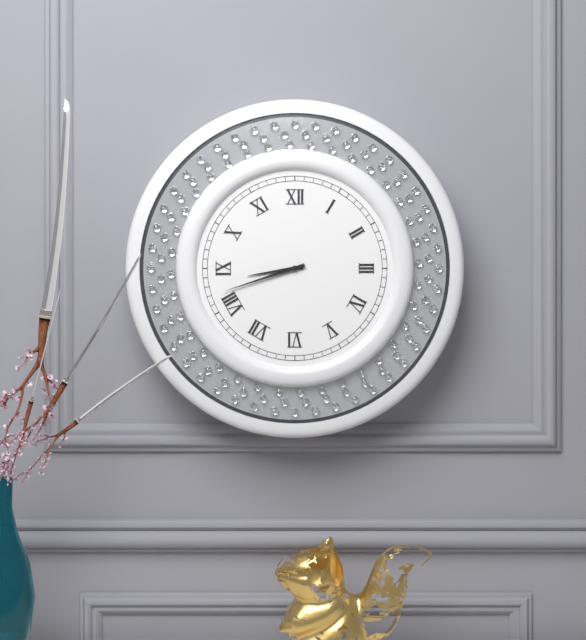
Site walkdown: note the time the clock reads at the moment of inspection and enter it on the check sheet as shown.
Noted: 8:42
